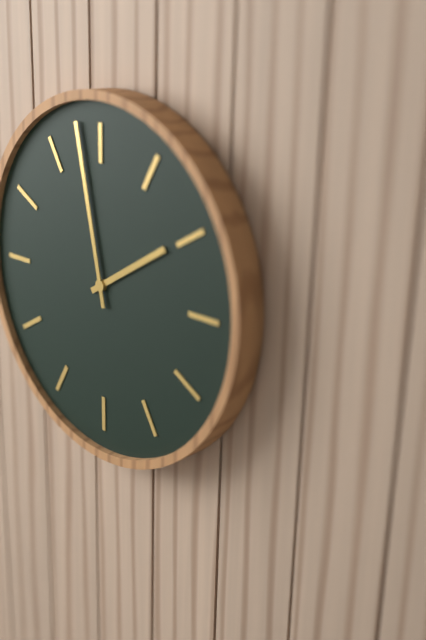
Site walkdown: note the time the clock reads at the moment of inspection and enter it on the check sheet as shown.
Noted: 1:58
